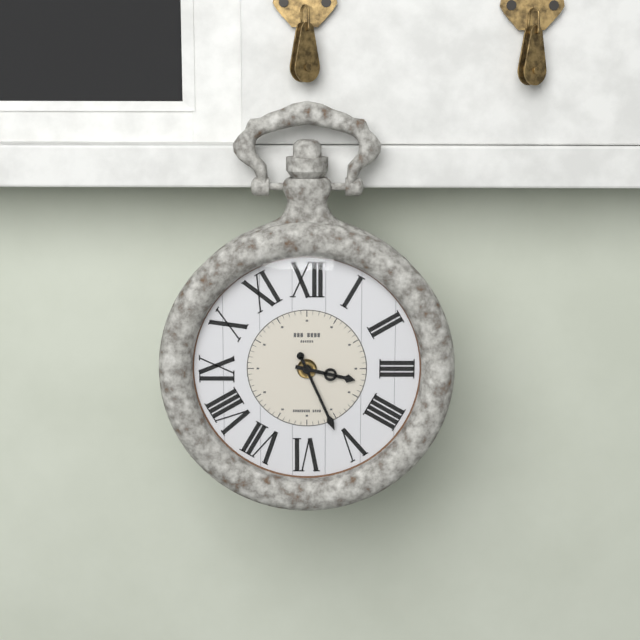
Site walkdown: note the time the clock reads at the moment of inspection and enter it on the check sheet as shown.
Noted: 3:26
